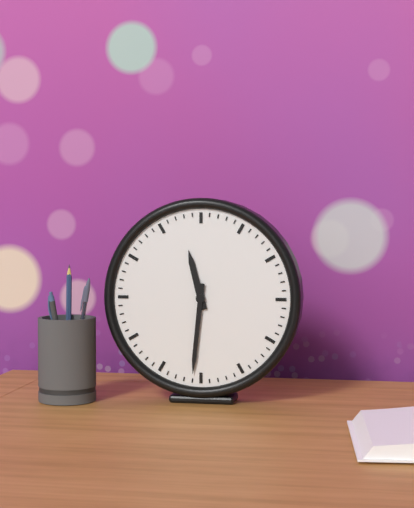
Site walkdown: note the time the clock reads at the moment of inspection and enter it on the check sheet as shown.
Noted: 11:31
